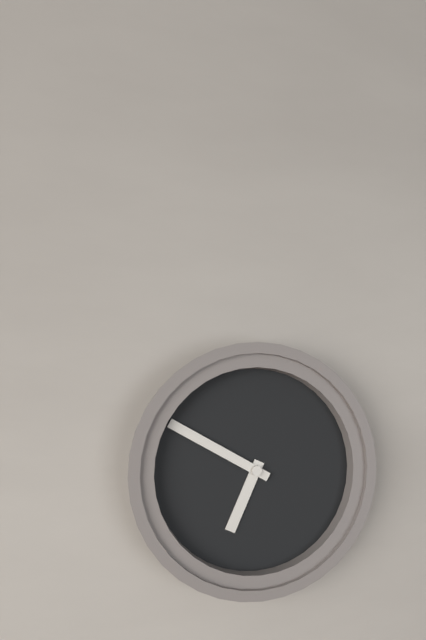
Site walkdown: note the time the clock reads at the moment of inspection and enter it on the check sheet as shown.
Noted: 6:50
